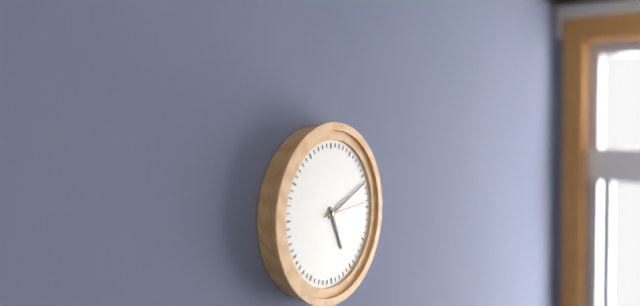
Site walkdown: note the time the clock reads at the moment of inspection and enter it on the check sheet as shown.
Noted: 5:11
